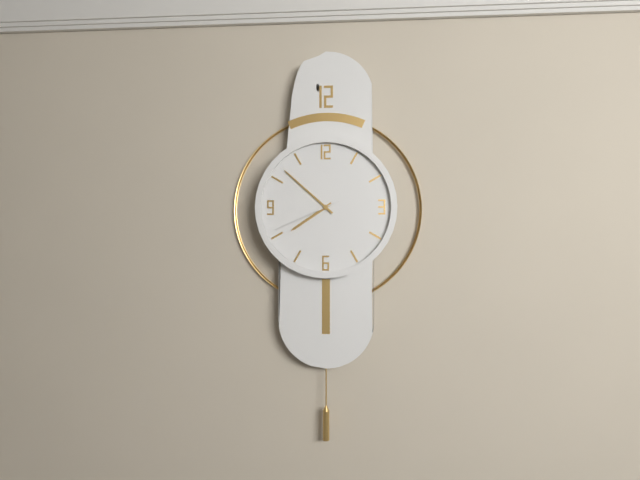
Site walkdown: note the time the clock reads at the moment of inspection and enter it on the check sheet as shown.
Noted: 7:52:41
